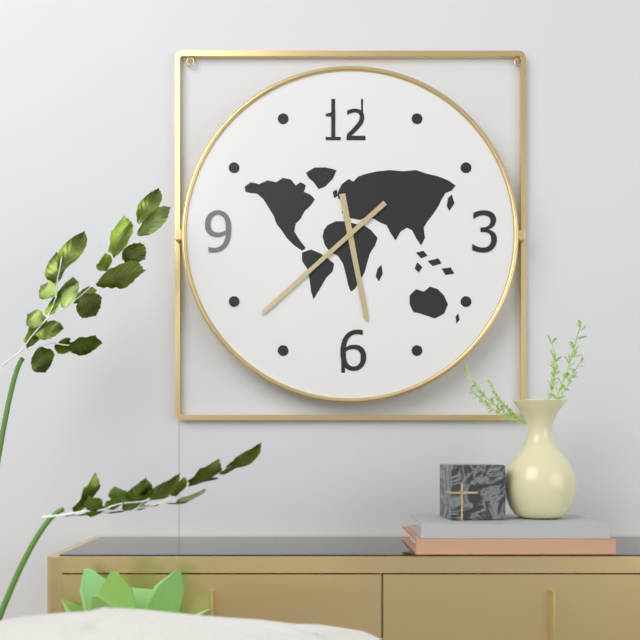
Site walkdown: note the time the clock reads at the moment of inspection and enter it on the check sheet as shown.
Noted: 5:38
